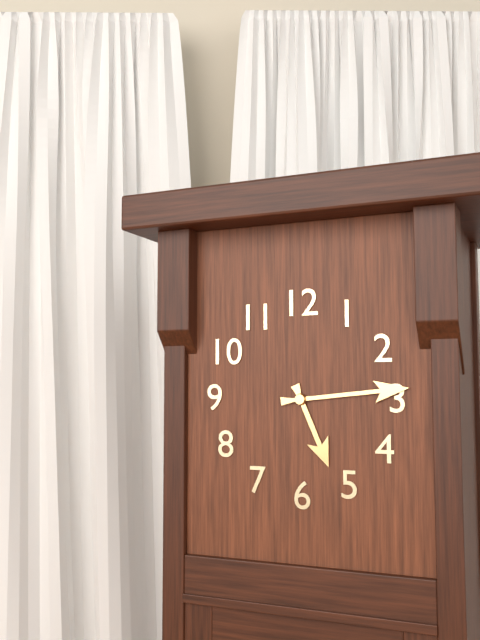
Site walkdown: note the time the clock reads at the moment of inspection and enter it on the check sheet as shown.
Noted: 5:14
